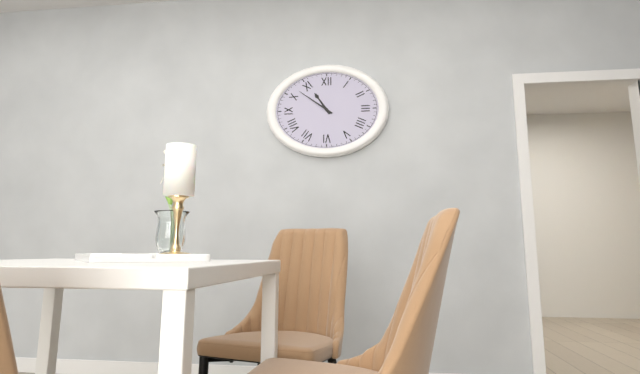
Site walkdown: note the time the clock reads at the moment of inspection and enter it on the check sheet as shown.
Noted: 10:51
